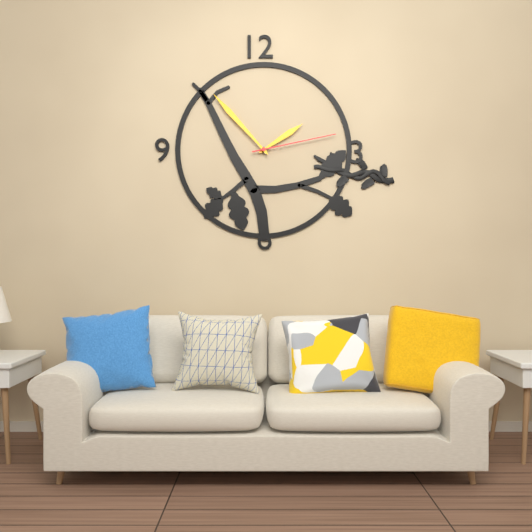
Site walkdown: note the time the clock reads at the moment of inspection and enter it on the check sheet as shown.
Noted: 1:53:13
